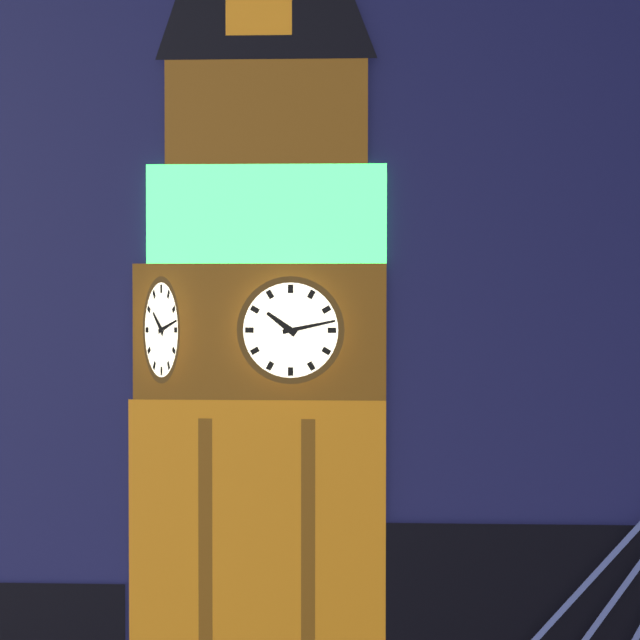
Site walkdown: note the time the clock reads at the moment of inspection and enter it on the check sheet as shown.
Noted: 10:13
